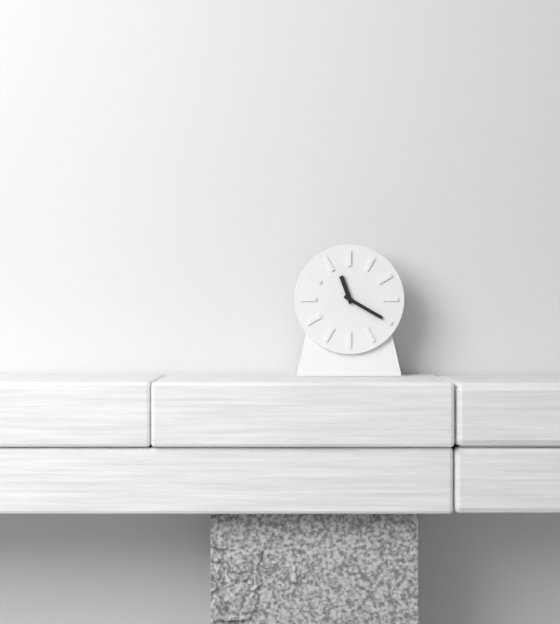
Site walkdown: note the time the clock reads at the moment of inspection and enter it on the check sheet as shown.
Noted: 11:20
